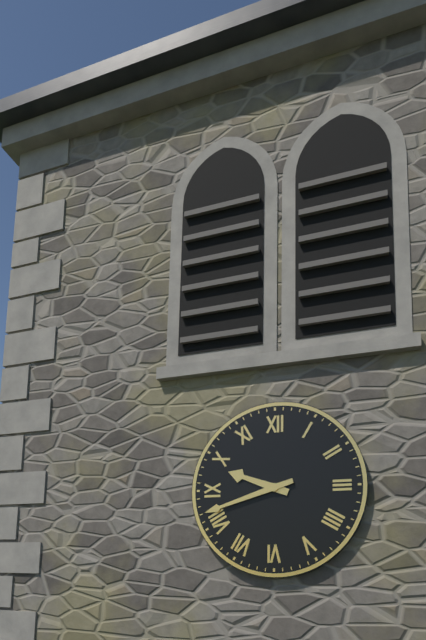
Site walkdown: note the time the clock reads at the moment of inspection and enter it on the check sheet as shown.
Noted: 9:42
